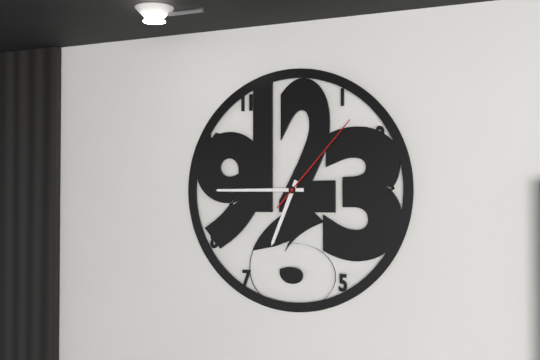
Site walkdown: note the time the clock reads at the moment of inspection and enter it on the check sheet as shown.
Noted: 6:45:07
